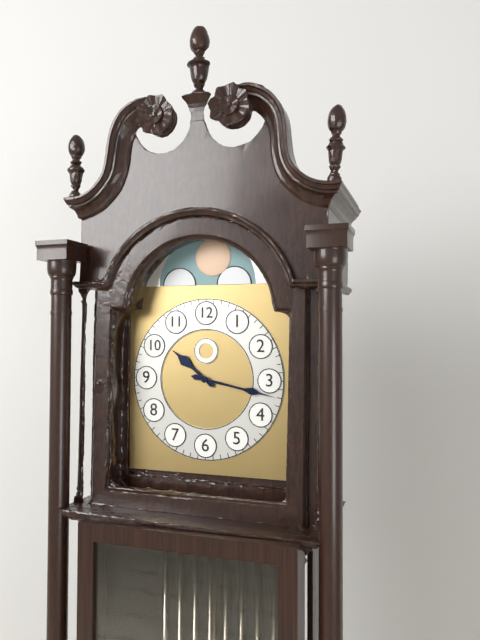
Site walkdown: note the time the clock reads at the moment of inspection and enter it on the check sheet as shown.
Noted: 10:17
